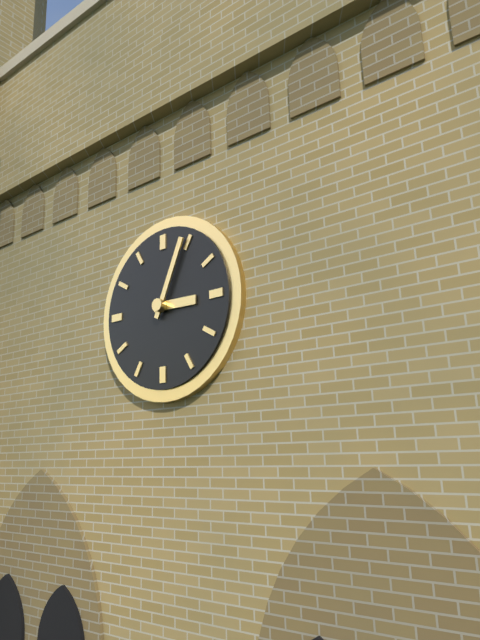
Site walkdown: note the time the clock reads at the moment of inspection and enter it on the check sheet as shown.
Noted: 3:04
